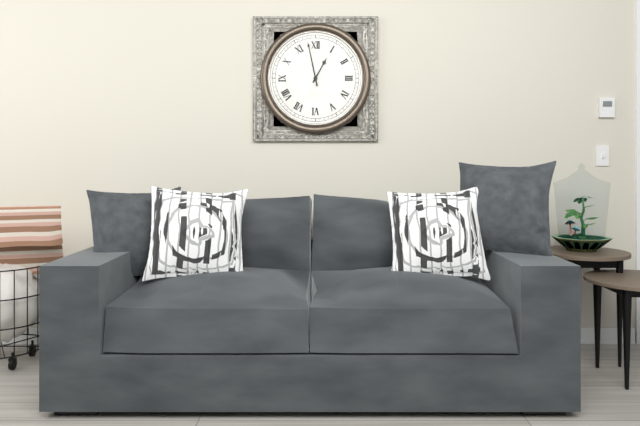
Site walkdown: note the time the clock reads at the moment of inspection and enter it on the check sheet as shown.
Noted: 12:58
